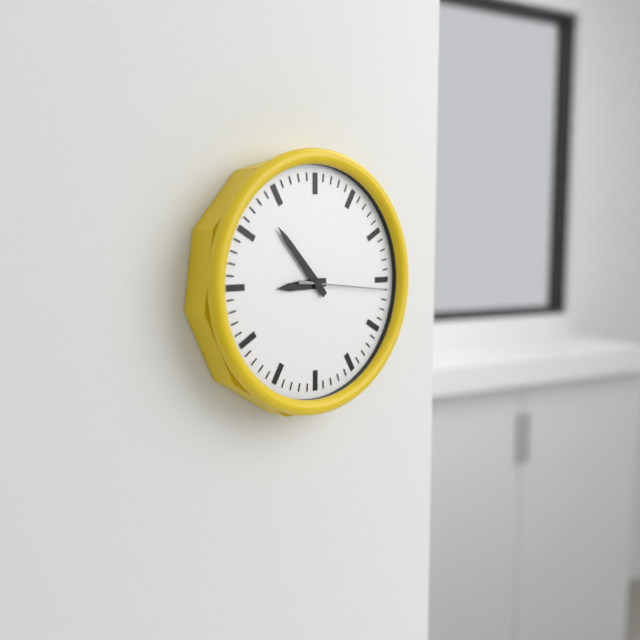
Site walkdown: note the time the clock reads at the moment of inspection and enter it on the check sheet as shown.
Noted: 8:53:16
